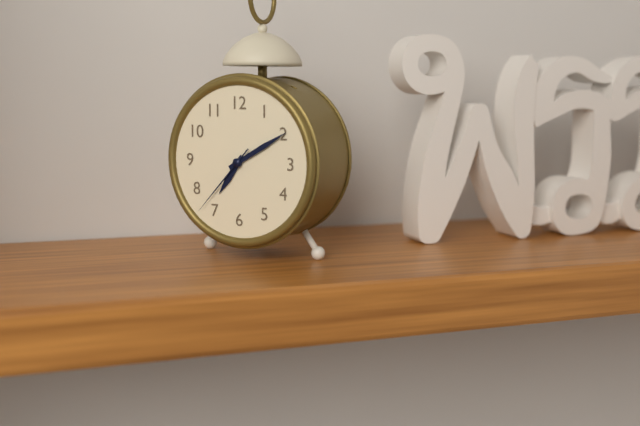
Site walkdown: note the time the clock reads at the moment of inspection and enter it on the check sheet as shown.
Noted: 7:10:37
